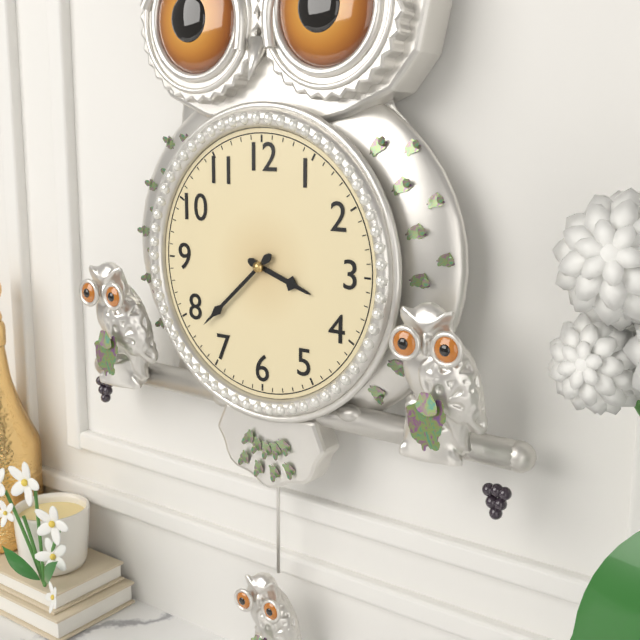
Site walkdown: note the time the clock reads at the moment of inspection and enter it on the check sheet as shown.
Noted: 3:38
